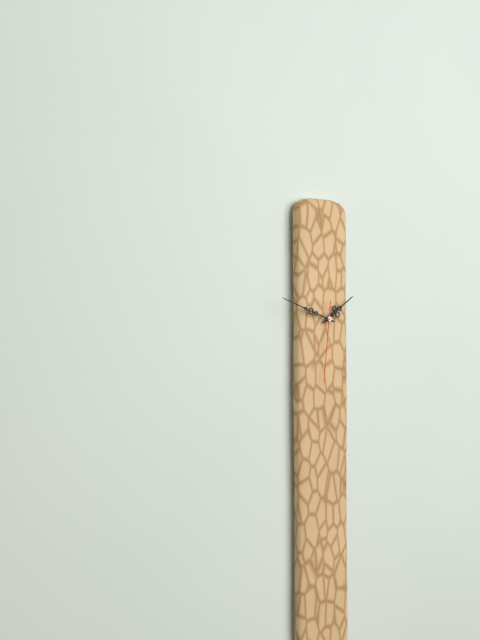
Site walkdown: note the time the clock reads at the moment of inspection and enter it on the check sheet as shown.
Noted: 1:48:31
